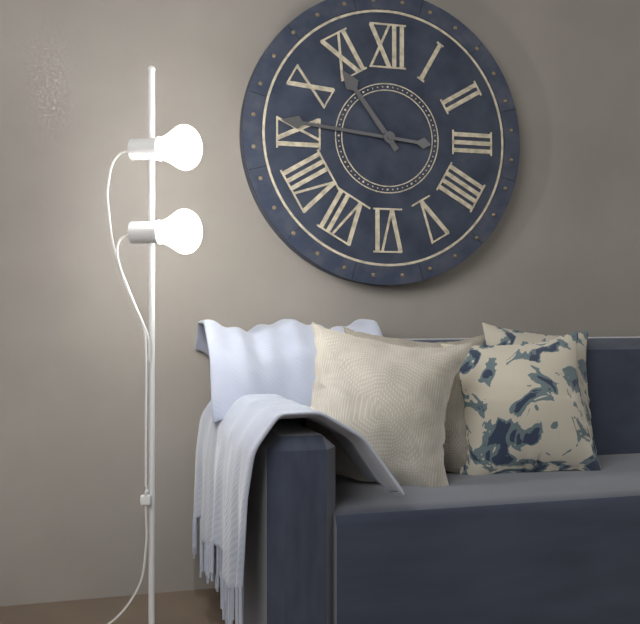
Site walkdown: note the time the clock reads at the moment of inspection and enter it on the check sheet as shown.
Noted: 10:46
